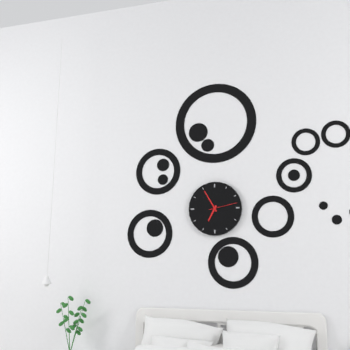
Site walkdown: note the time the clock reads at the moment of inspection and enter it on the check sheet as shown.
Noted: 6:55
